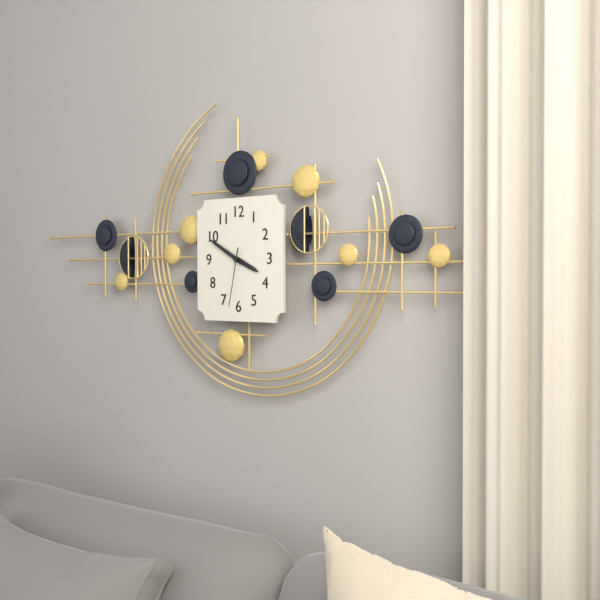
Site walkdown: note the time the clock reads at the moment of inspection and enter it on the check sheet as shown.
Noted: 3:50:32
